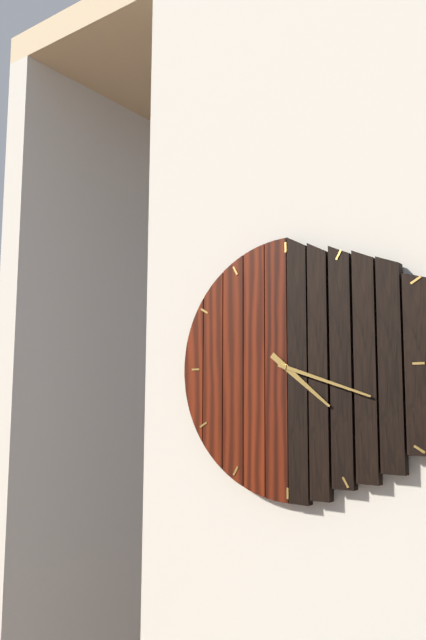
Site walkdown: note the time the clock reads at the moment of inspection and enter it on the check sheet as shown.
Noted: 4:18
